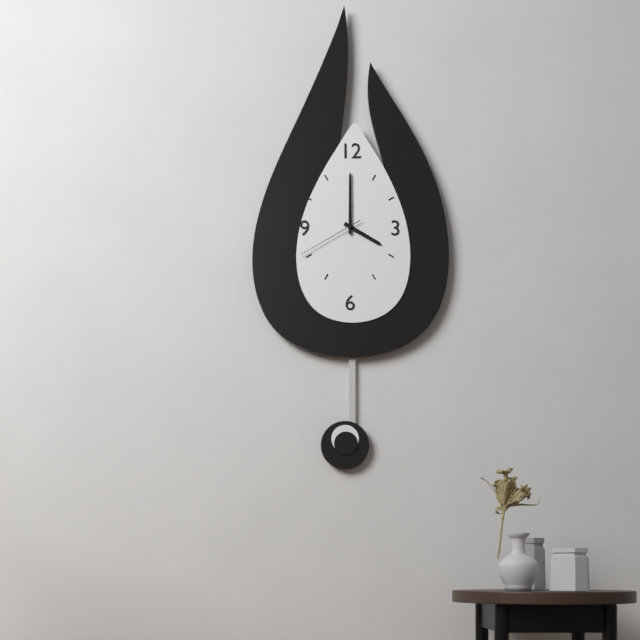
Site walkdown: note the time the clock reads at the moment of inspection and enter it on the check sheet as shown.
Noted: 4:00:40
